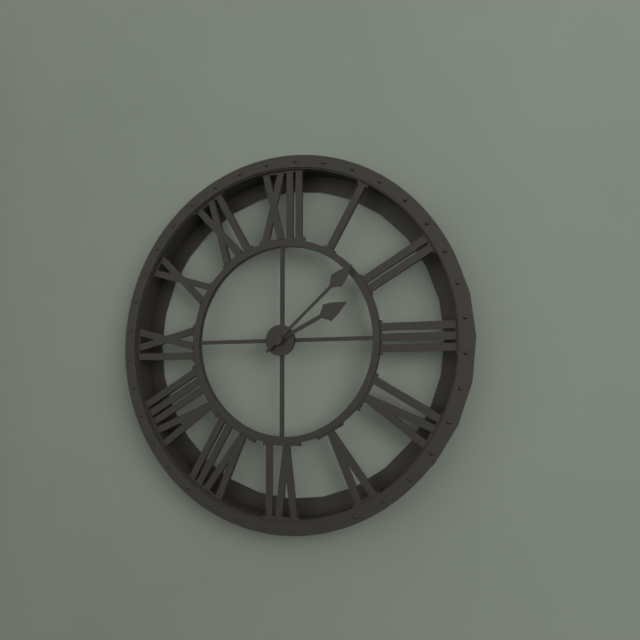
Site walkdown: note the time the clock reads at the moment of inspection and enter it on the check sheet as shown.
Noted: 2:08
